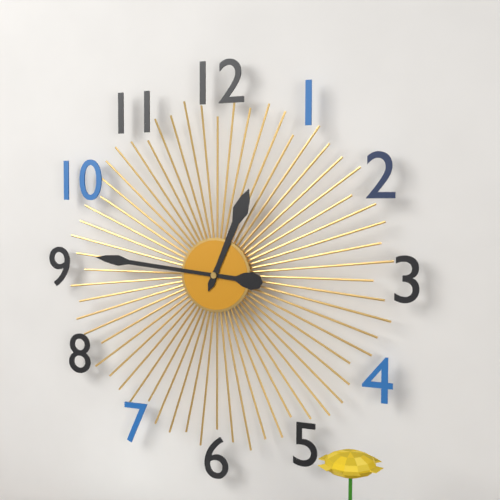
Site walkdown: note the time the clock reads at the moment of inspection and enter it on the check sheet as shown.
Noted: 12:46
